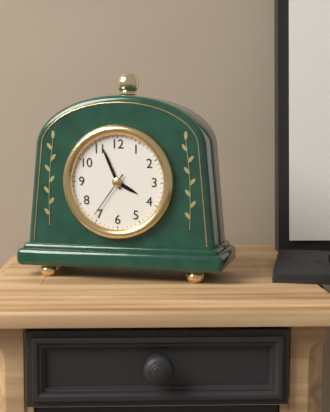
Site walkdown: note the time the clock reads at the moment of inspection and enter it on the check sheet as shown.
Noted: 3:56:36
